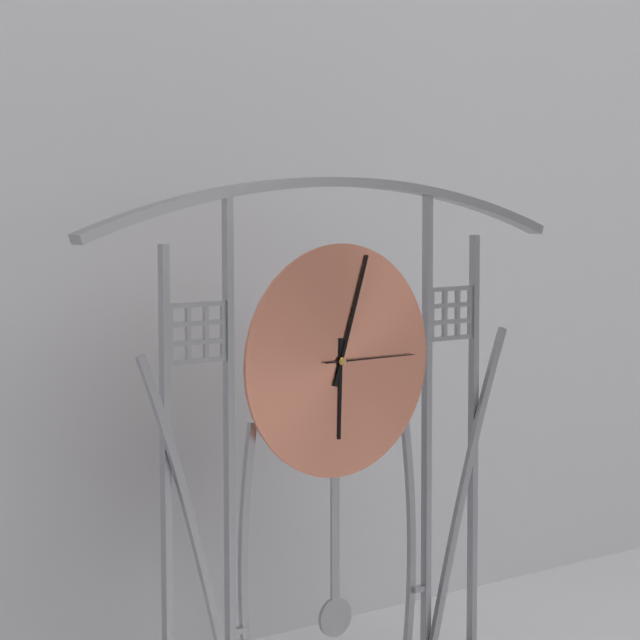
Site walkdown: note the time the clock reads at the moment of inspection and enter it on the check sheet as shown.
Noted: 6:03:15
